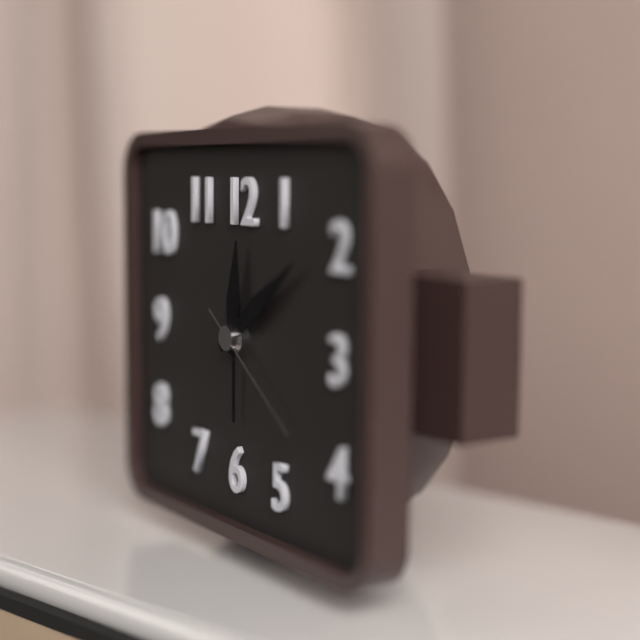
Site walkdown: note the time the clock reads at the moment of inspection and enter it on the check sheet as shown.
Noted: 12:09:21
